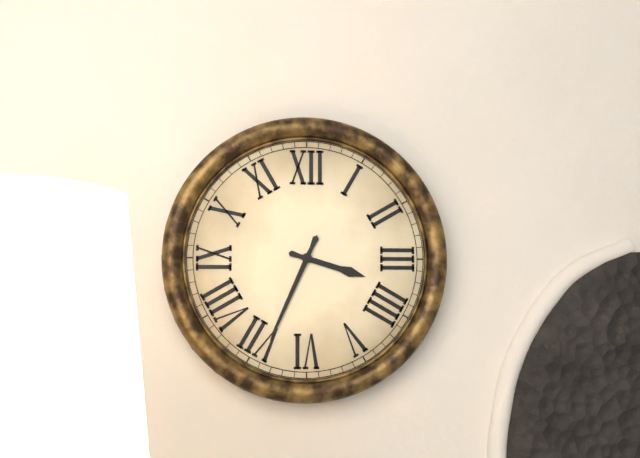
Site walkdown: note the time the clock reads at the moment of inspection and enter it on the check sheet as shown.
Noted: 3:34
